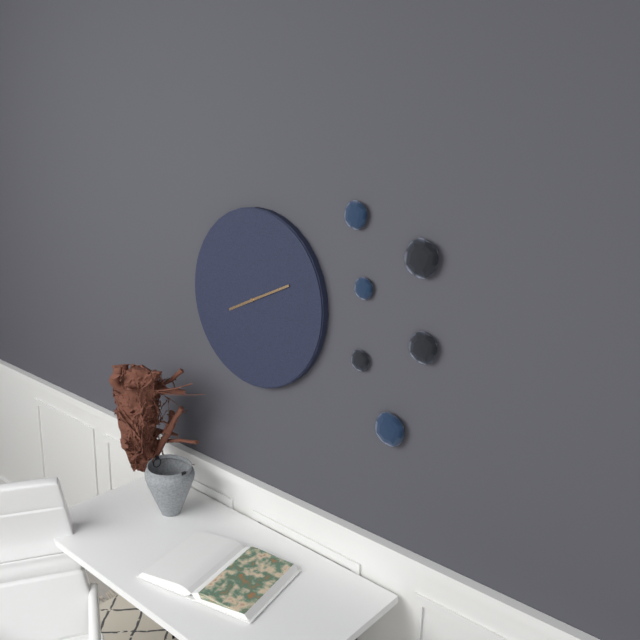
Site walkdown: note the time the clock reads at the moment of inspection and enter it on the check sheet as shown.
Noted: 8:11
